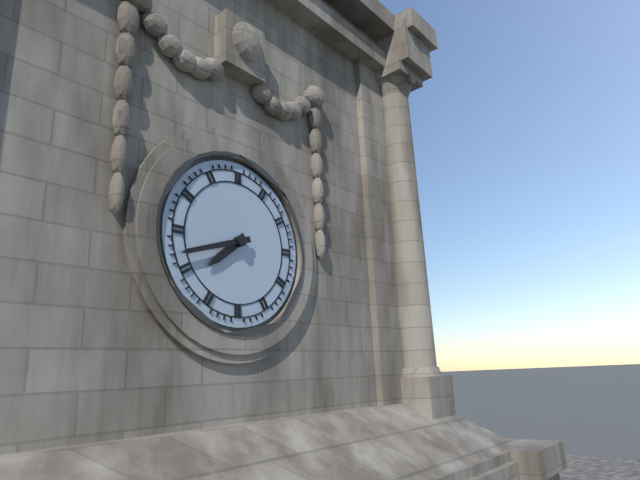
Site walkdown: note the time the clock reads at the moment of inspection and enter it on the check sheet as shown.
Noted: 7:42
